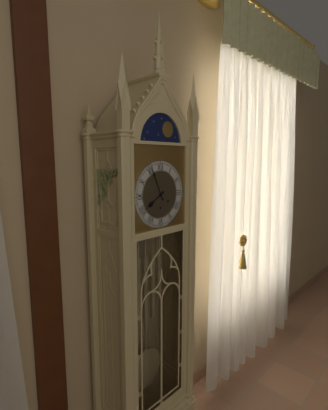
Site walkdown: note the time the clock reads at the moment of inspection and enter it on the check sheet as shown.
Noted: 7:56
